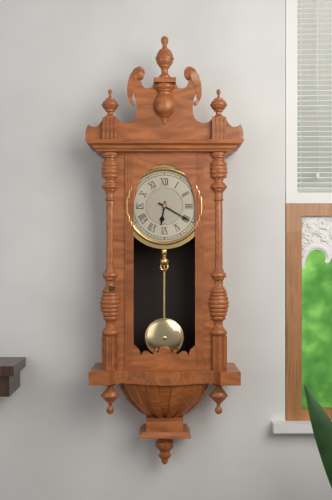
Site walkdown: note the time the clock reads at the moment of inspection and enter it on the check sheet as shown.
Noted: 6:20
